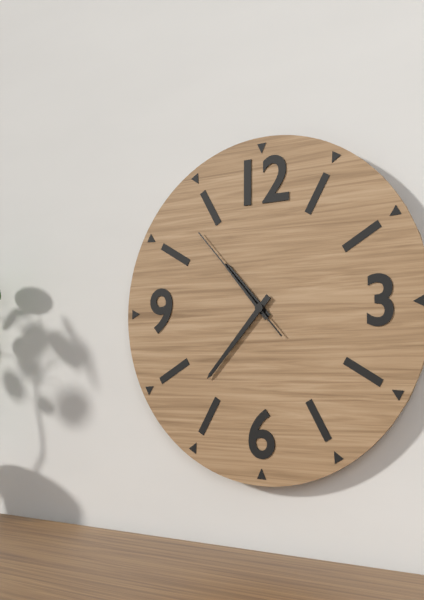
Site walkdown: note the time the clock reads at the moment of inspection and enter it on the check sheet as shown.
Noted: 10:37:53
